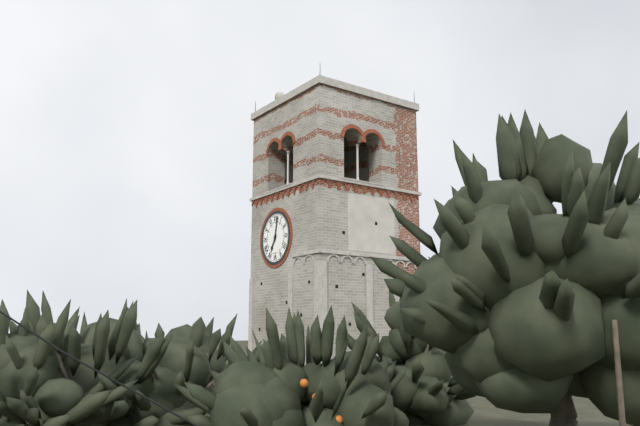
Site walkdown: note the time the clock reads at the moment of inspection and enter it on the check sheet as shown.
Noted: 7:02
